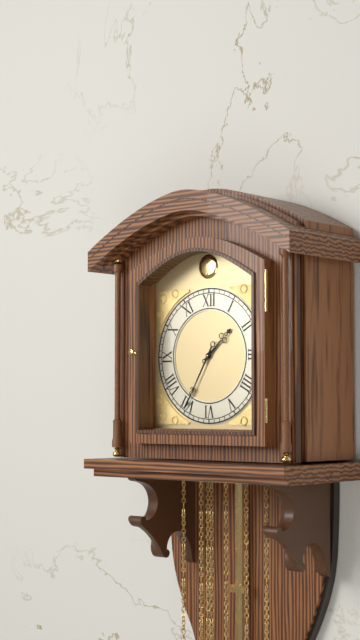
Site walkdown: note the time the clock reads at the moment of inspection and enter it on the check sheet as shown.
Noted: 1:35
